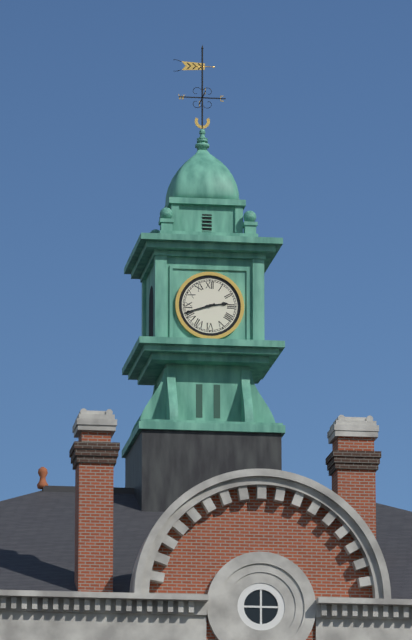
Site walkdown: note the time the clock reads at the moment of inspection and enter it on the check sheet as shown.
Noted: 2:42
